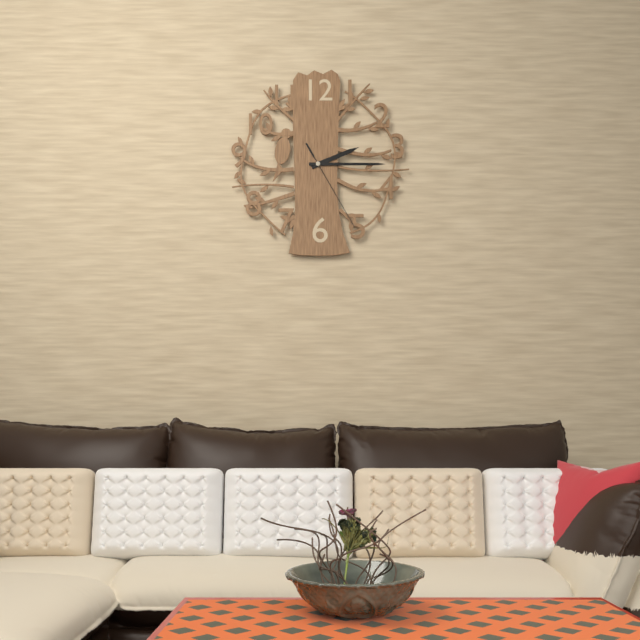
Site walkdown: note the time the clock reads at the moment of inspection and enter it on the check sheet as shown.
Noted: 2:15:25
